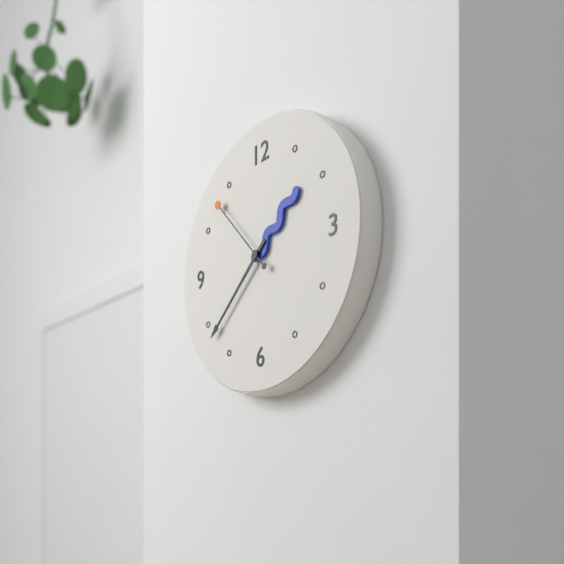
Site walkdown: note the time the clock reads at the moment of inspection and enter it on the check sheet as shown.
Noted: 1:38:53
